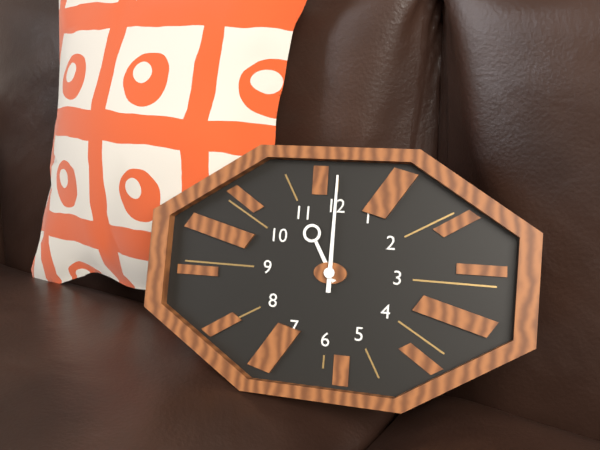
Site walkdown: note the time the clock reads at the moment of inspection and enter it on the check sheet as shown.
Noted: 11:00
